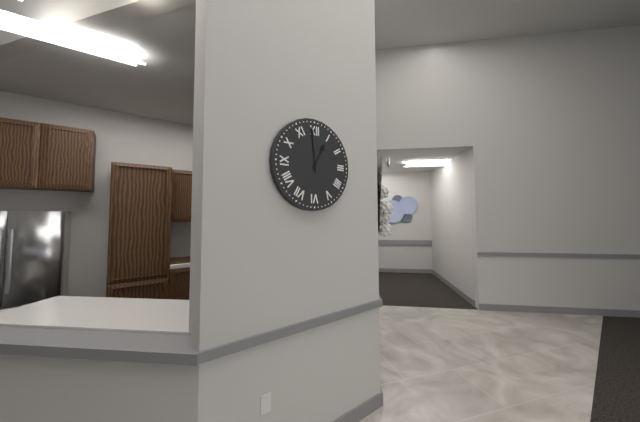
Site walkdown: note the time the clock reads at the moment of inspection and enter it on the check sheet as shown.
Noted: 12:59
